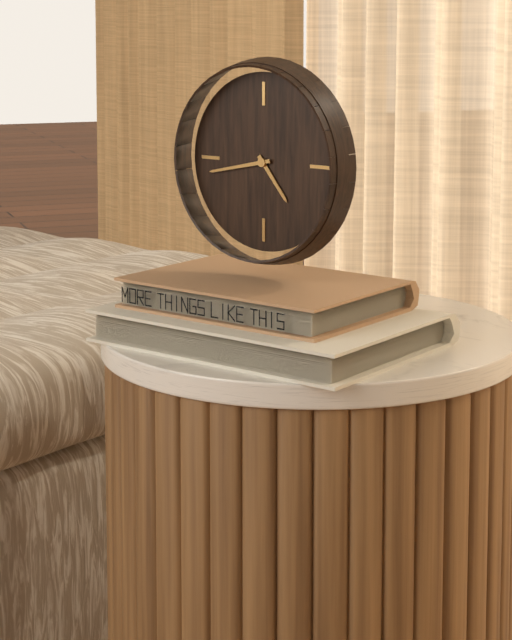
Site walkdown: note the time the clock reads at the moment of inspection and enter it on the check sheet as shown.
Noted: 4:43
